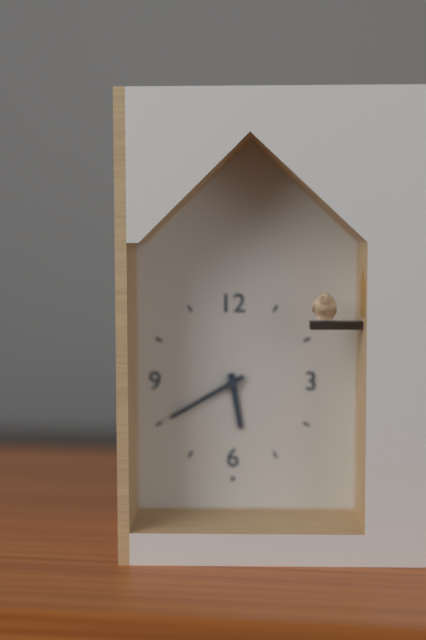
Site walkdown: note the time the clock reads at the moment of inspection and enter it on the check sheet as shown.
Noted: 5:40
